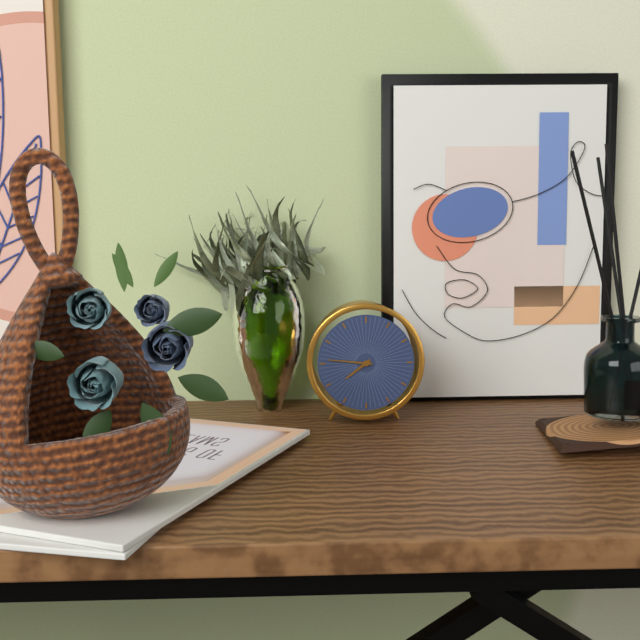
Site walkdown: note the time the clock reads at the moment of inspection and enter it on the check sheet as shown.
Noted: 7:46
